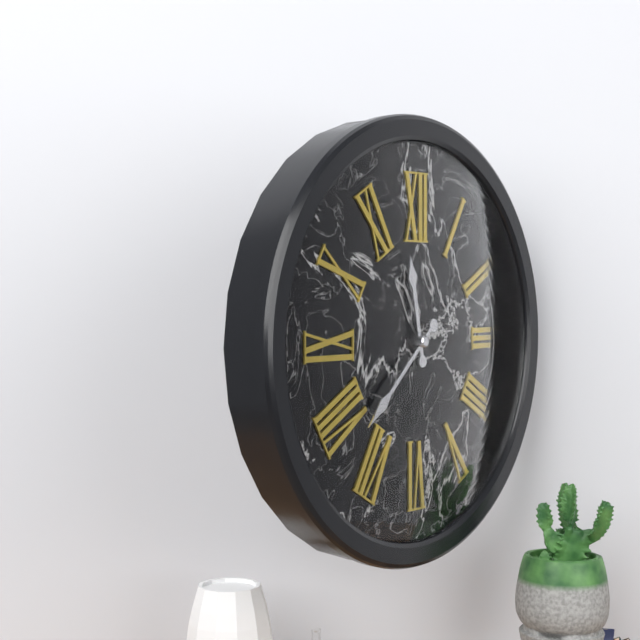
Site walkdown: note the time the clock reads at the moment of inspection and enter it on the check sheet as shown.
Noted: 11:38
